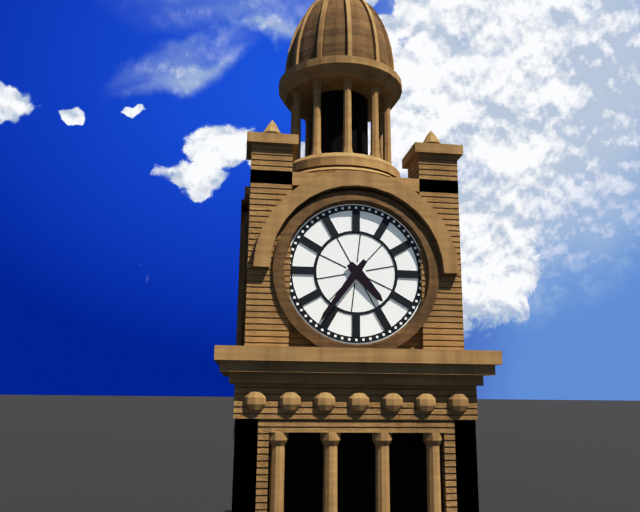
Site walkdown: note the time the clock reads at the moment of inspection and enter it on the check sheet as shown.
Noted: 4:36
